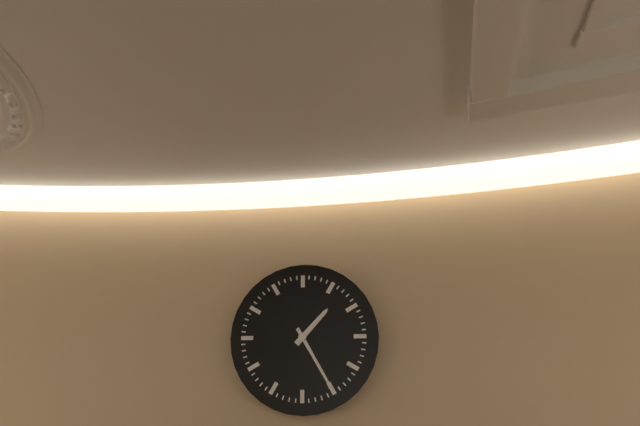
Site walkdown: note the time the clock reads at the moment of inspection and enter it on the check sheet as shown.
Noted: 1:25
